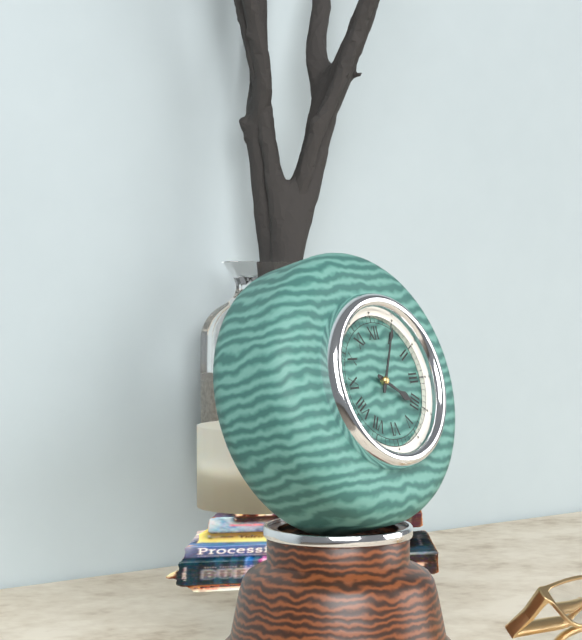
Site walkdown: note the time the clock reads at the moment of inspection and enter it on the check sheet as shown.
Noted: 4:05
